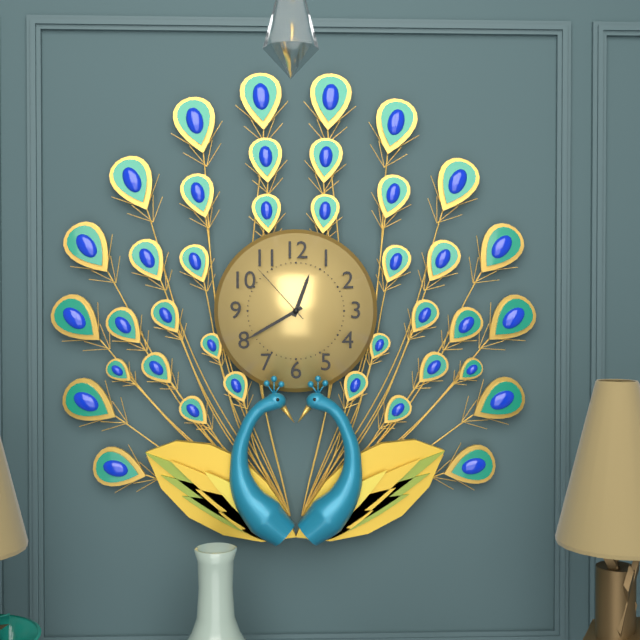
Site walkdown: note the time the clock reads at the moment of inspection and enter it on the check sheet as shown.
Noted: 12:40:53
